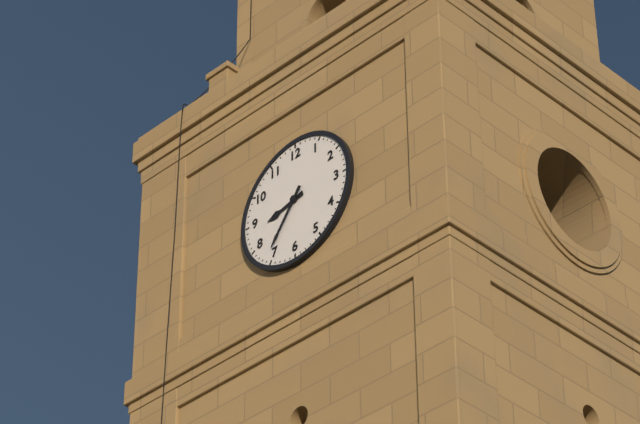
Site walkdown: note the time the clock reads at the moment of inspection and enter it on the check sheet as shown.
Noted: 8:36
